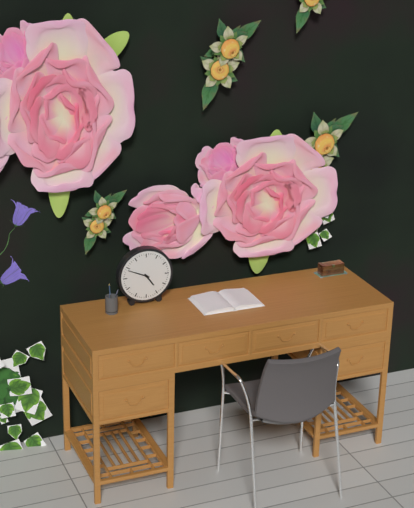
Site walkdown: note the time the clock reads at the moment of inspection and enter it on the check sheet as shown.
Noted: 4:49
